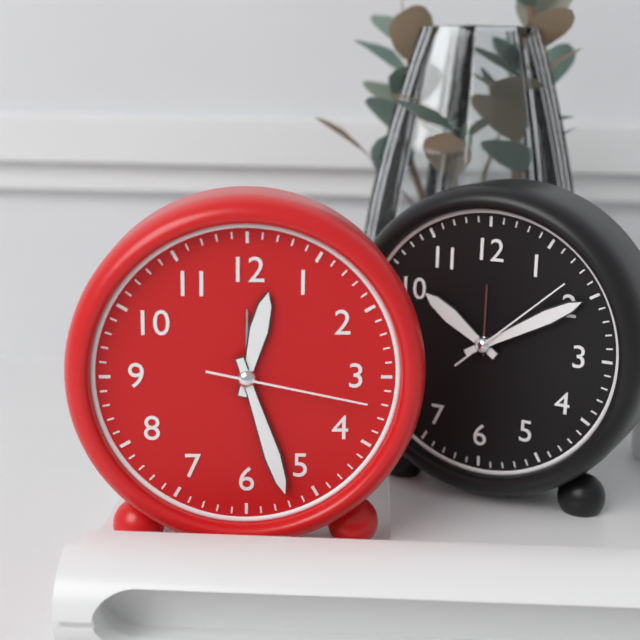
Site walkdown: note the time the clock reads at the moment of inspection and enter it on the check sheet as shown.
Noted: 12:27:17
